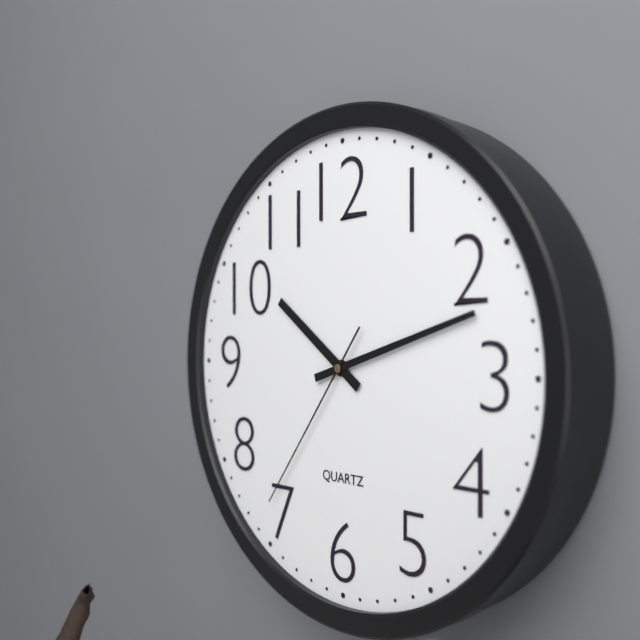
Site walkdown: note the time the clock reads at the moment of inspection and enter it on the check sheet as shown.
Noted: 10:12:36
